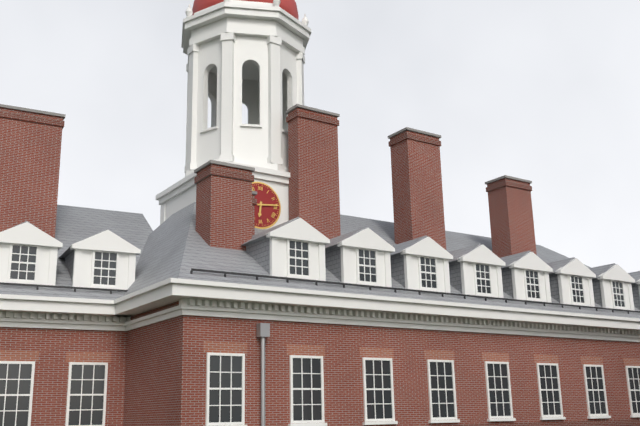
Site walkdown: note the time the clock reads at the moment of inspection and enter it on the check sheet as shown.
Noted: 6:14
